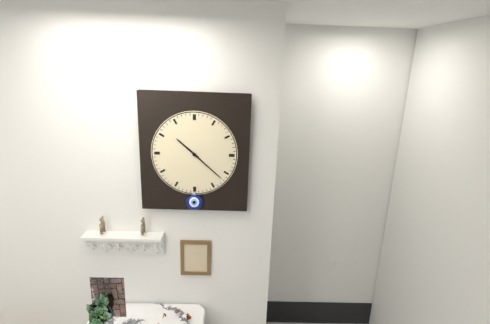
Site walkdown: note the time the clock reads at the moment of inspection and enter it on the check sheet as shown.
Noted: 10:22
